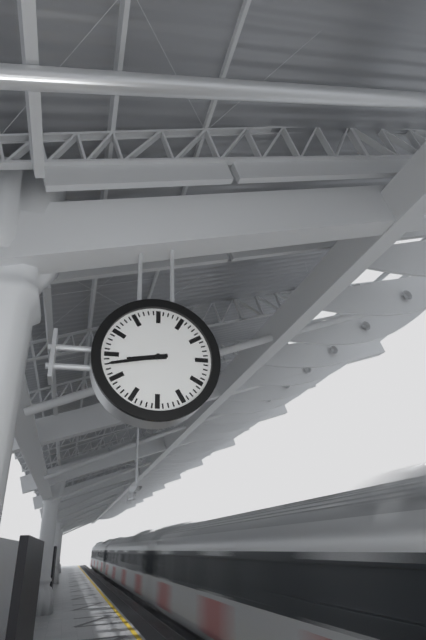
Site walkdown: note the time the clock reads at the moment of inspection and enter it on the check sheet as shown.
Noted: 8:43
